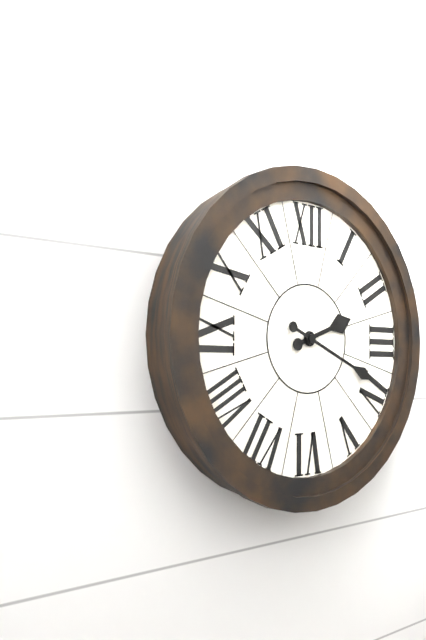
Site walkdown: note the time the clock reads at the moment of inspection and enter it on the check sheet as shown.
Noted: 2:19
